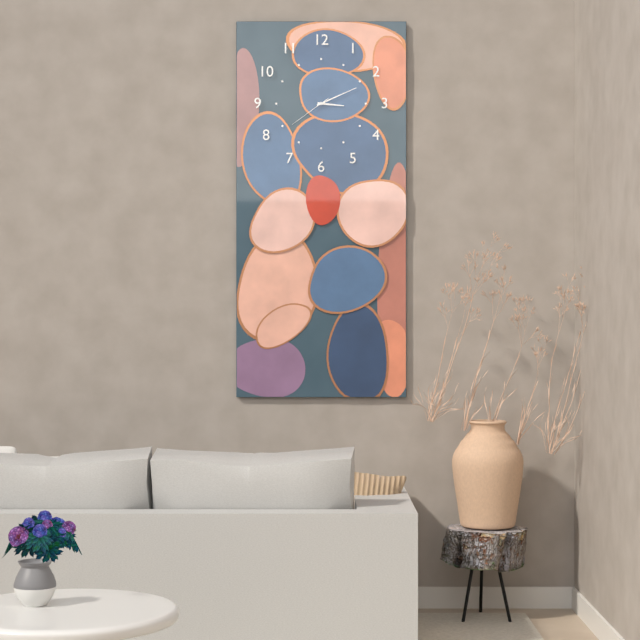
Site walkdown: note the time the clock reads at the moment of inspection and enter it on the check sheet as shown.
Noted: 3:11
